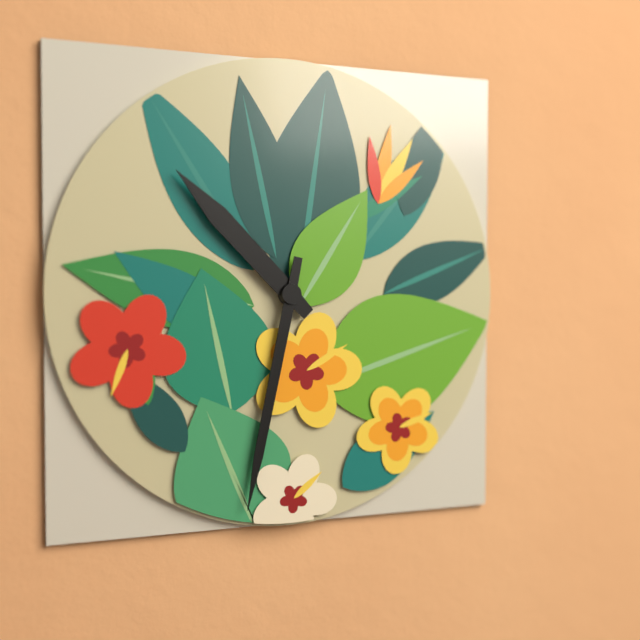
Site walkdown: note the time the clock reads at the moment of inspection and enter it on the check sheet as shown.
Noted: 10:32
